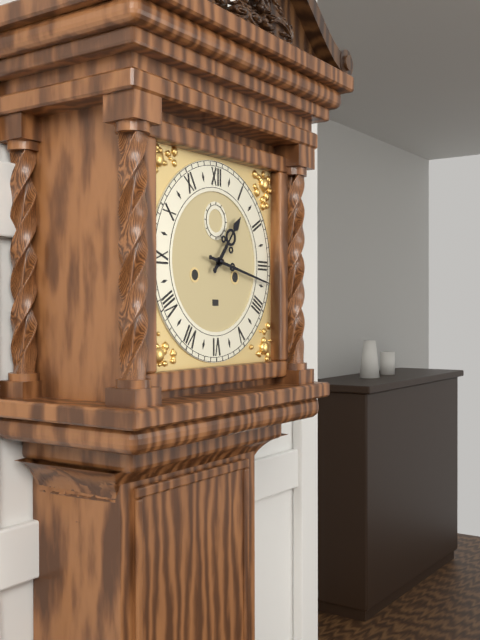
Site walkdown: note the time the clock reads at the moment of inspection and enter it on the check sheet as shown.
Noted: 1:17
